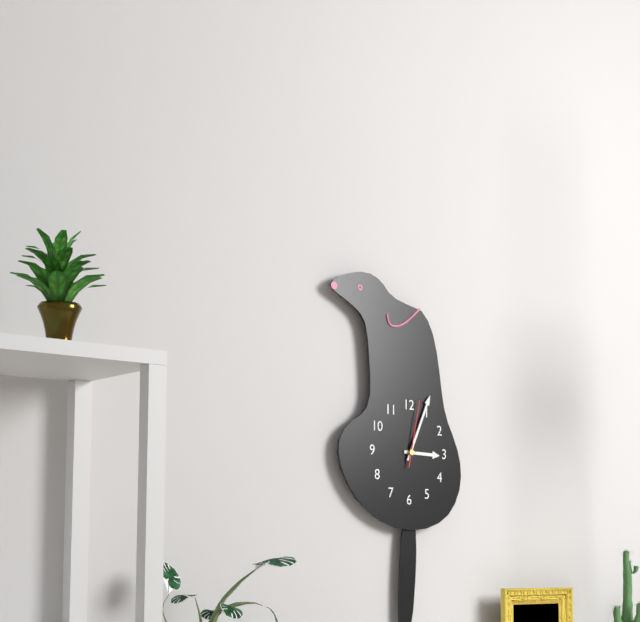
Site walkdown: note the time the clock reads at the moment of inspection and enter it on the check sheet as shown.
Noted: 3:04:02
